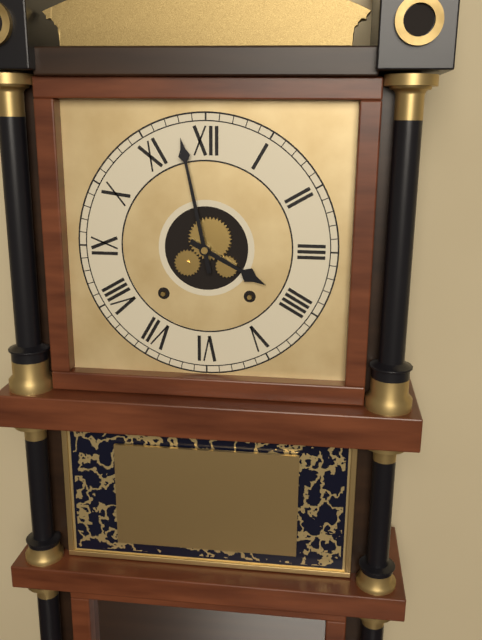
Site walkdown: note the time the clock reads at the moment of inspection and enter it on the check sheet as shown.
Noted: 3:58
